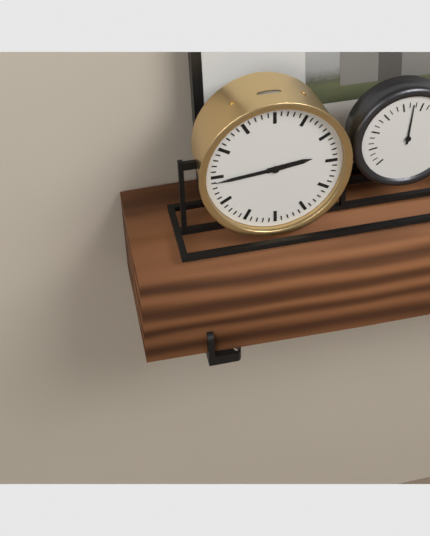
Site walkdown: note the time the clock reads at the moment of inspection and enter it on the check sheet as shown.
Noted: 2:44
